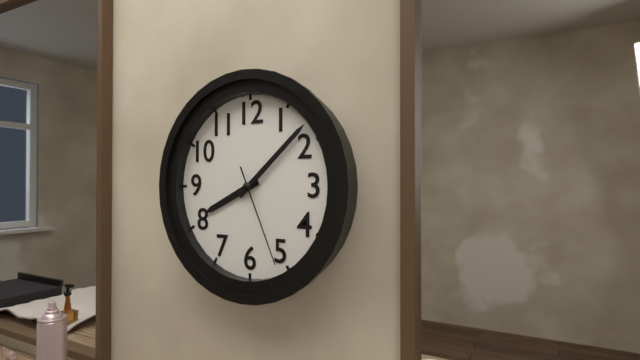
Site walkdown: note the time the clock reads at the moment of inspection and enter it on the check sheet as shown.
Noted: 8:08:26
